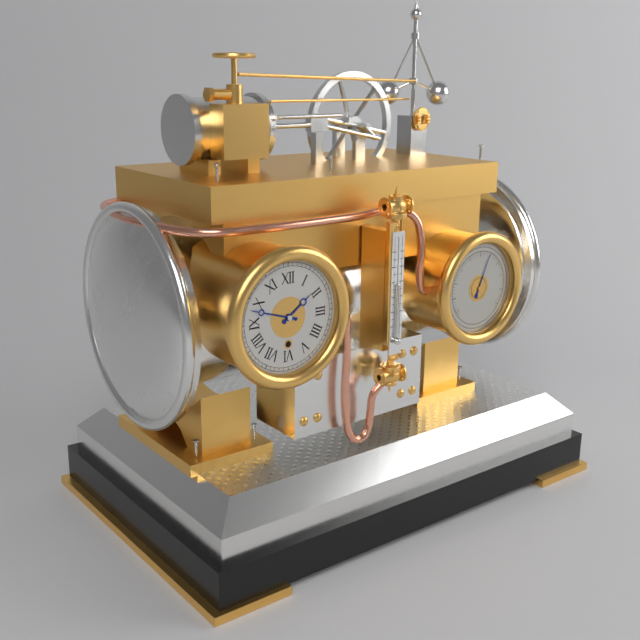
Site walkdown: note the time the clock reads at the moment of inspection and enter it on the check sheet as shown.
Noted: 1:48
